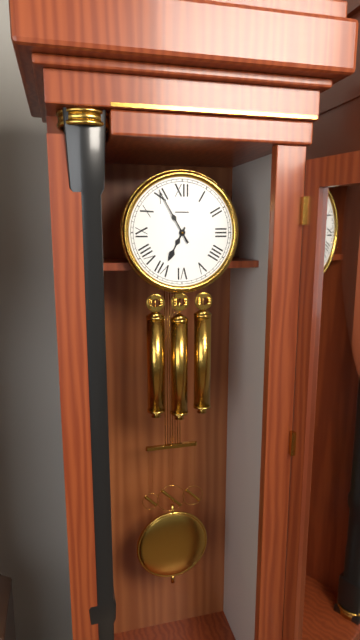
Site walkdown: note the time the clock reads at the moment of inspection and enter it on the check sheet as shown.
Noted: 6:55
